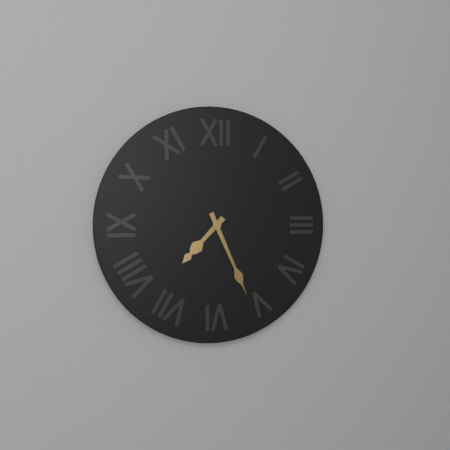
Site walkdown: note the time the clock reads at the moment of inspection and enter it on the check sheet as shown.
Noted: 7:26
